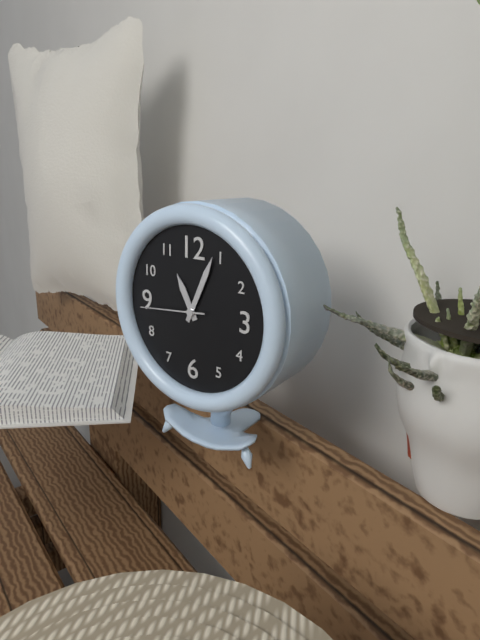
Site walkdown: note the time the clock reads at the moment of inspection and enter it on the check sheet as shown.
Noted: 11:04:44
